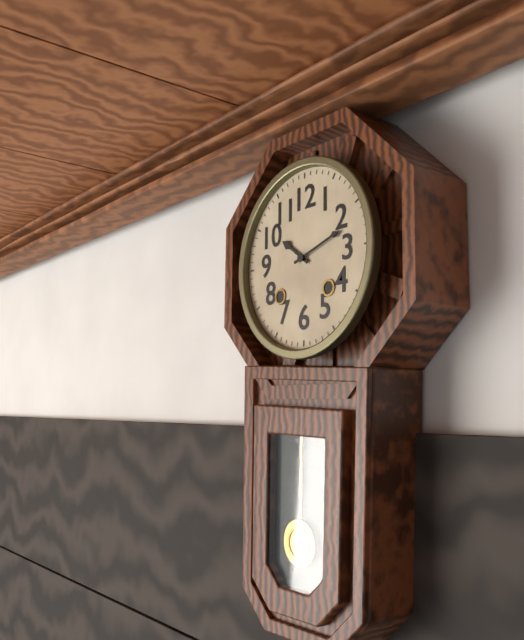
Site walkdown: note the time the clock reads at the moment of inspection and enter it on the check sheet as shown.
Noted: 10:12
